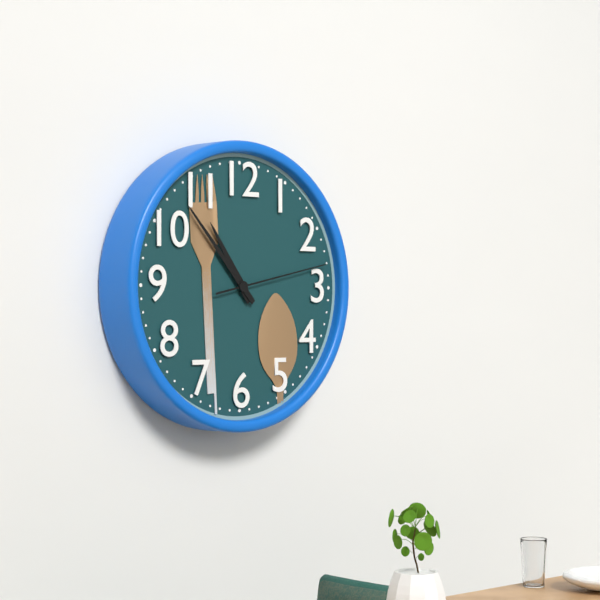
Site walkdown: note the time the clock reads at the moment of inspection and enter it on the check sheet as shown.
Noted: 10:53:13
